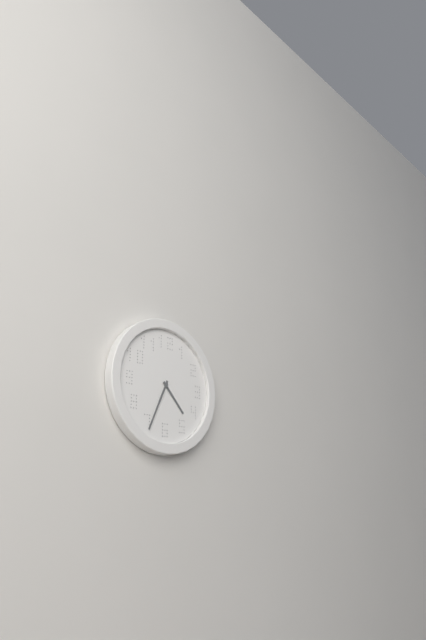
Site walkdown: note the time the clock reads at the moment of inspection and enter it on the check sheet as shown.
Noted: 4:34
